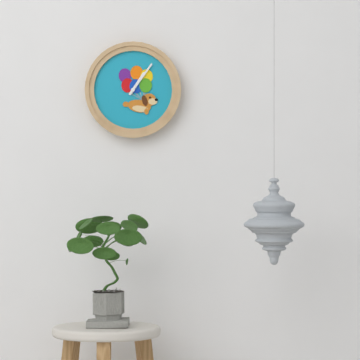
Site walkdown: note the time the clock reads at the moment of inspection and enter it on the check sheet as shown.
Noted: 1:06
